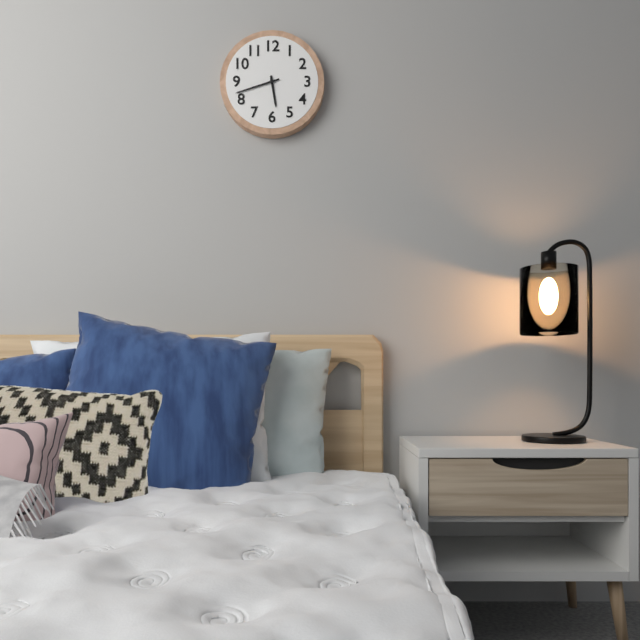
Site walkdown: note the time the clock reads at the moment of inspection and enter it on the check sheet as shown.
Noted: 5:42
